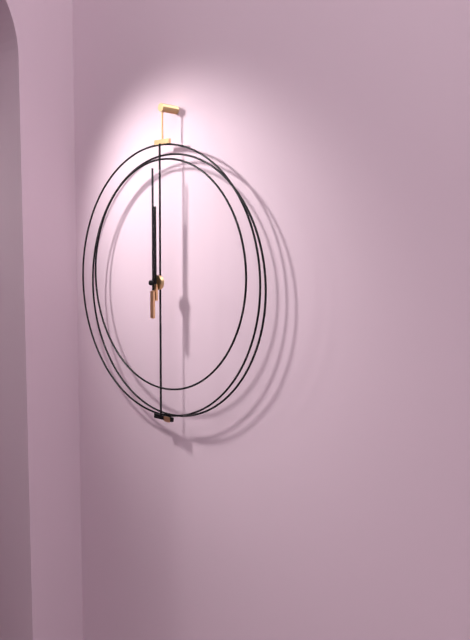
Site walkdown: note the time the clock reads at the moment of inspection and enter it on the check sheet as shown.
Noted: 12:00
